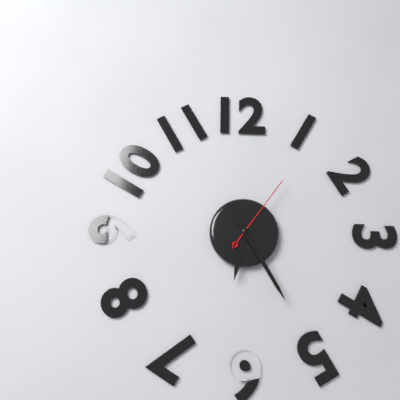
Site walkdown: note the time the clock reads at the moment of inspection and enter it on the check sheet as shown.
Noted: 6:25:06
